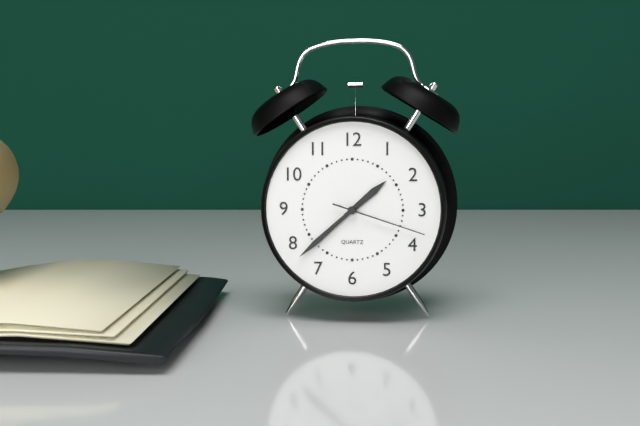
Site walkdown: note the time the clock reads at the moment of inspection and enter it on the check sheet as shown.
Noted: 1:38:18
